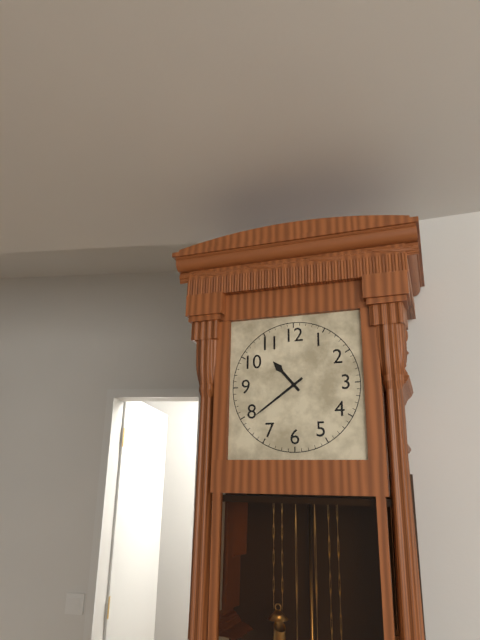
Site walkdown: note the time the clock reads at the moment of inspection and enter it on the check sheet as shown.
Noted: 10:39
